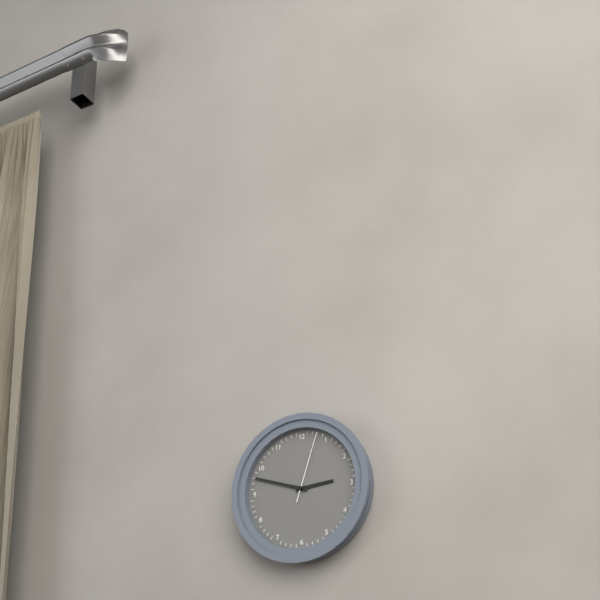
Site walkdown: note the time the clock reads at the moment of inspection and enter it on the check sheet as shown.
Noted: 2:48:03
